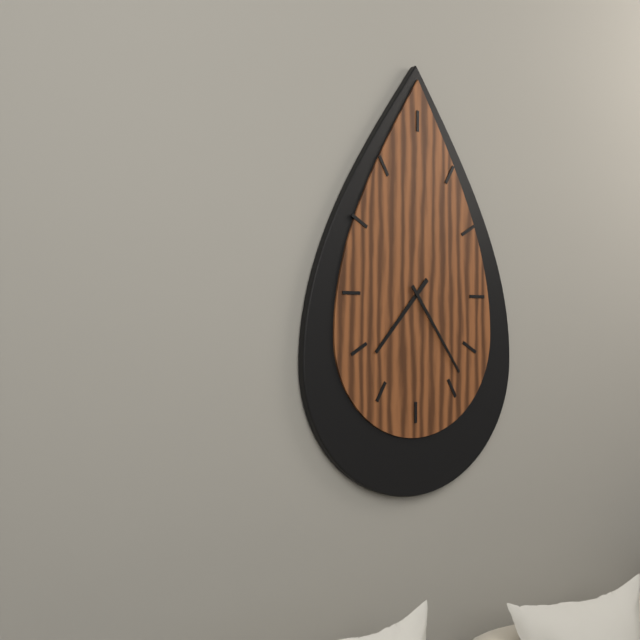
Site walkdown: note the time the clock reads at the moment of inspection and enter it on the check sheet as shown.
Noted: 7:24
